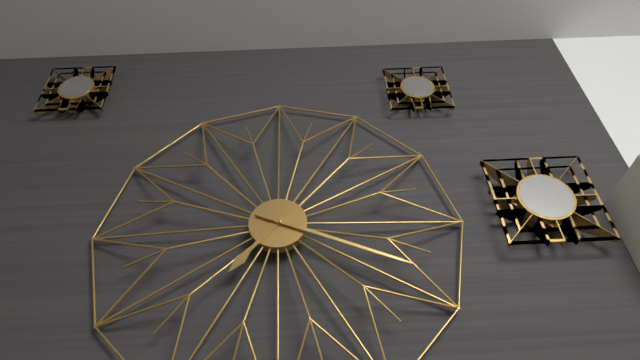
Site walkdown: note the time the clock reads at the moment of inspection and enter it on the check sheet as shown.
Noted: 7:19
